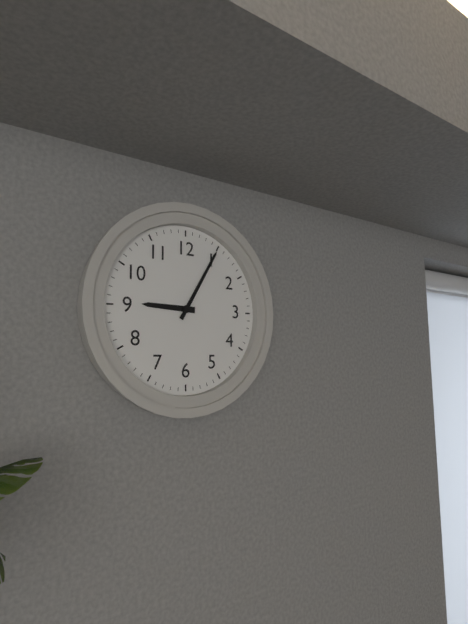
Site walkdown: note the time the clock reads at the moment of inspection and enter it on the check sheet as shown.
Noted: 9:05
